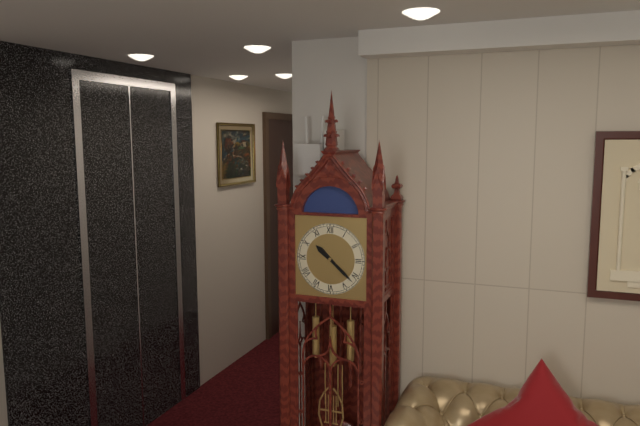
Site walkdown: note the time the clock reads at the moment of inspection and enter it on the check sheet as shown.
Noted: 10:22
